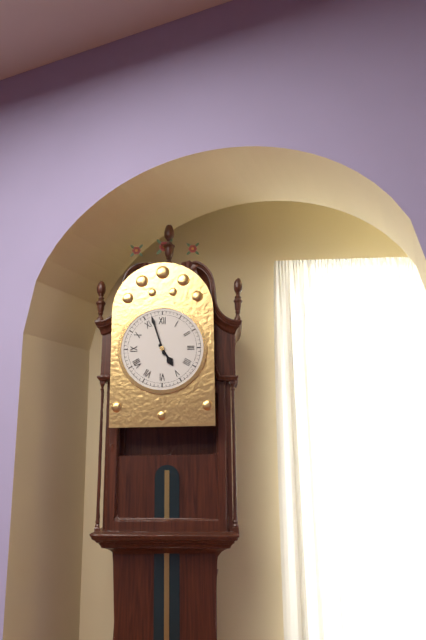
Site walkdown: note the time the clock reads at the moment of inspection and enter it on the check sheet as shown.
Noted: 4:57
